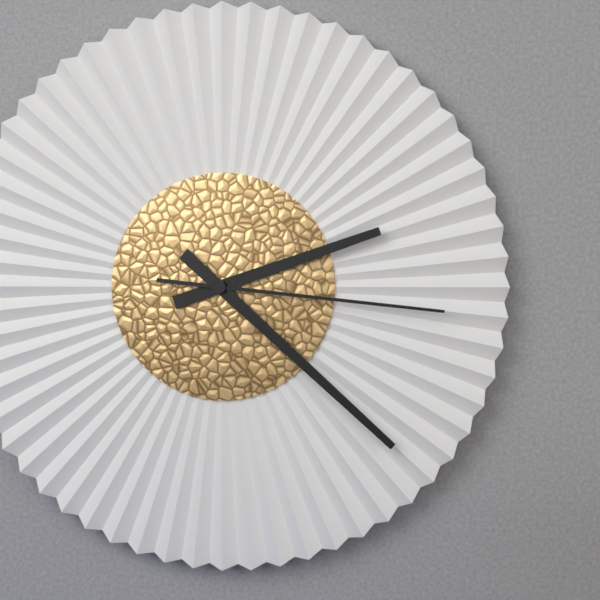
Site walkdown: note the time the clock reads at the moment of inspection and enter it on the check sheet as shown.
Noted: 2:22:16
